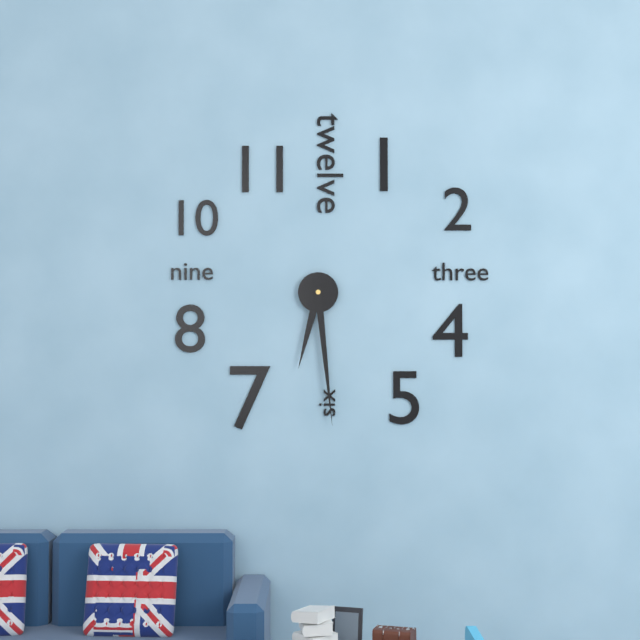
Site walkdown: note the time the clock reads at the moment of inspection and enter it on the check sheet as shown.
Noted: 6:29
